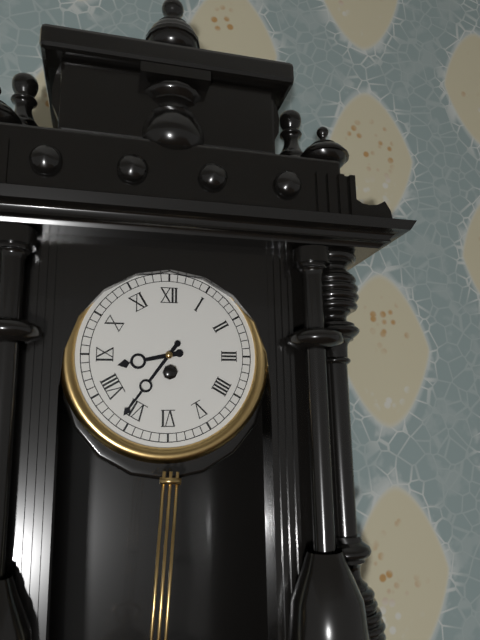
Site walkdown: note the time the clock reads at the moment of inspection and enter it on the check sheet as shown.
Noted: 8:36
